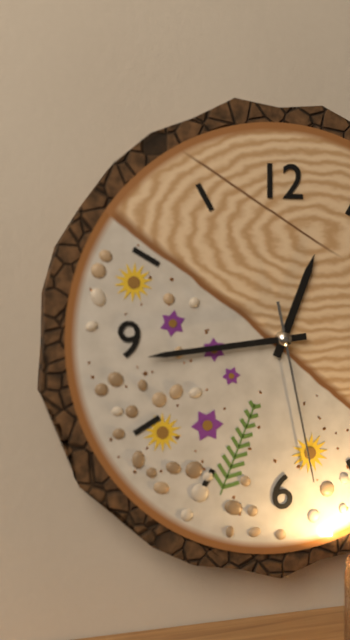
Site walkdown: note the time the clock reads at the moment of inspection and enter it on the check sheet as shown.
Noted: 12:44:28
